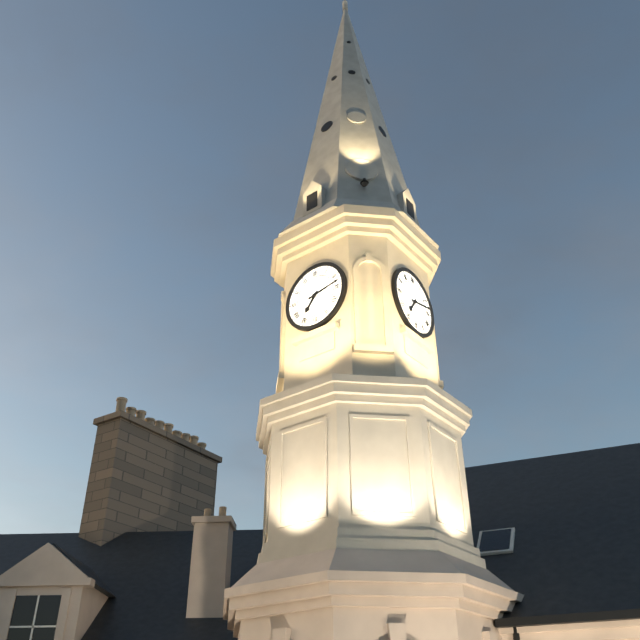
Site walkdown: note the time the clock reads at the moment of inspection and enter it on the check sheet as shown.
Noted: 7:13
